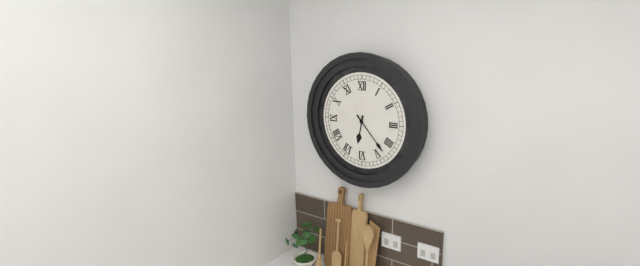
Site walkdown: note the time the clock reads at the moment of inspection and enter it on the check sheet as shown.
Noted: 6:23
